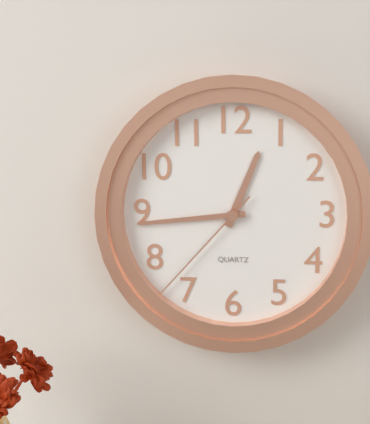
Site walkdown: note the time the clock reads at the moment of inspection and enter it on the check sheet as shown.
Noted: 12:44:37
